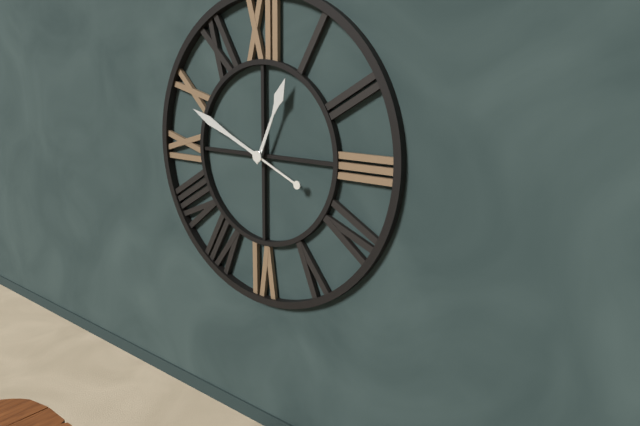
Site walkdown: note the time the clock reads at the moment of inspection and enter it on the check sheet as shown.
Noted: 12:49
